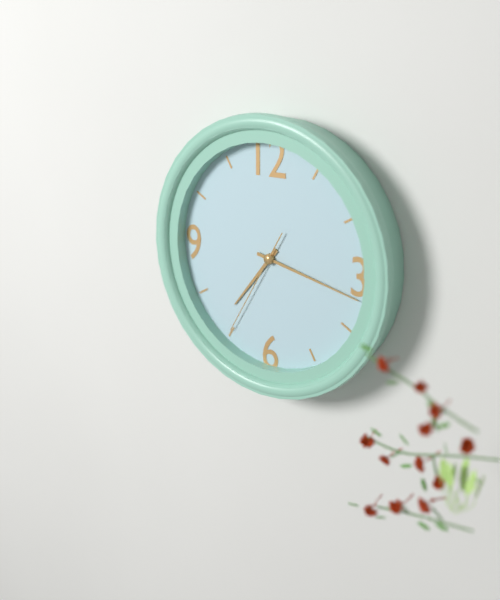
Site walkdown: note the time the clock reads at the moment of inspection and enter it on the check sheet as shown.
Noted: 7:17:35
